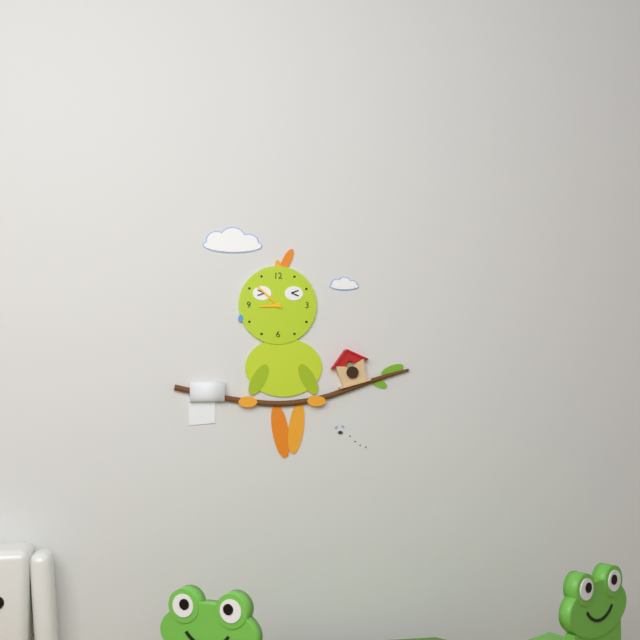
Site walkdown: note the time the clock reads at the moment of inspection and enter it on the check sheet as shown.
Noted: 8:52
